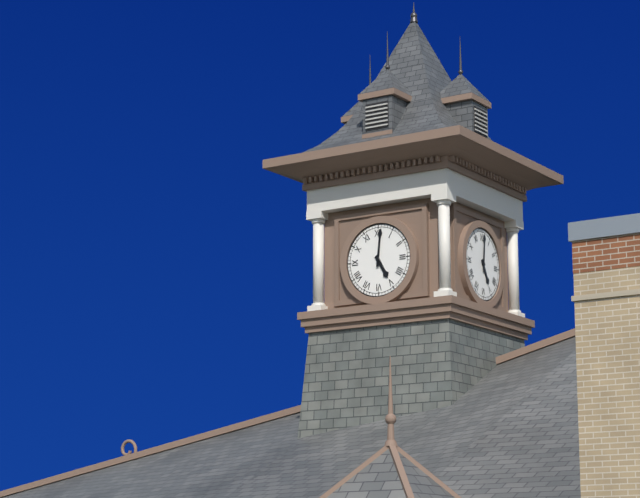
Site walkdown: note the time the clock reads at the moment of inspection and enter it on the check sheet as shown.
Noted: 5:01
